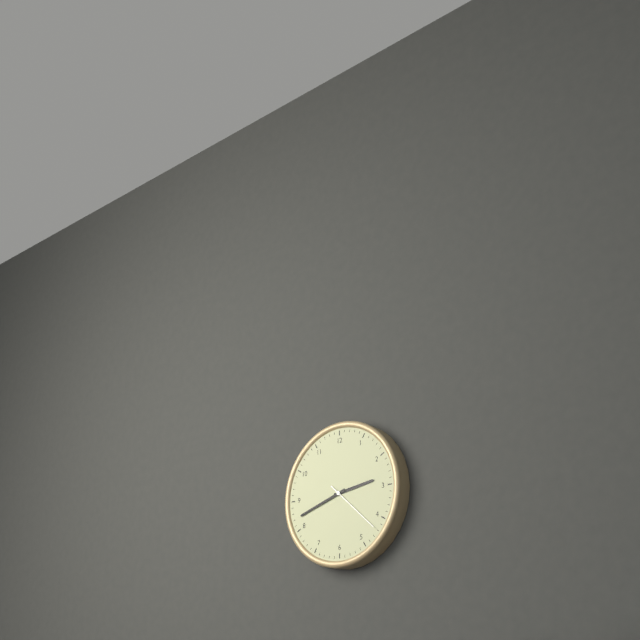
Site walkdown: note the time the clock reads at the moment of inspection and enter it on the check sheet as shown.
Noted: 2:42:22
